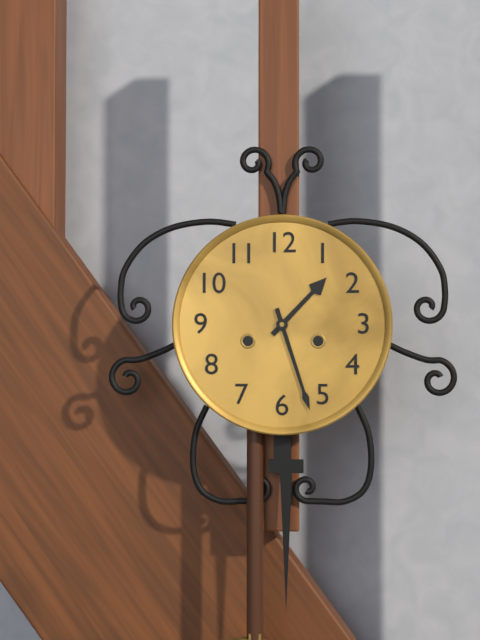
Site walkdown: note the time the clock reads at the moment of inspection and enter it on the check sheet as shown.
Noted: 1:27
